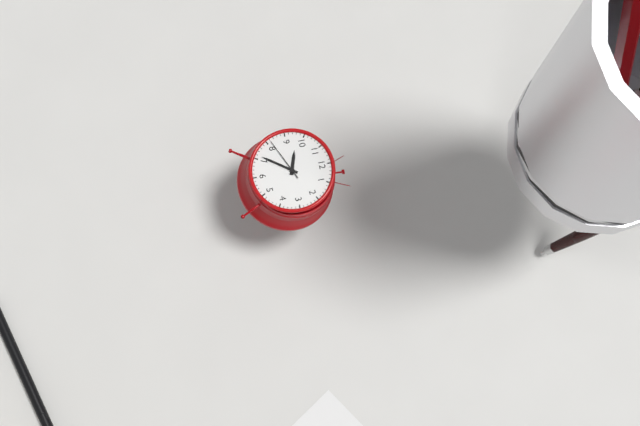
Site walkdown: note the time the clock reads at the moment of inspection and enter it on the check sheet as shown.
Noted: 9:36
